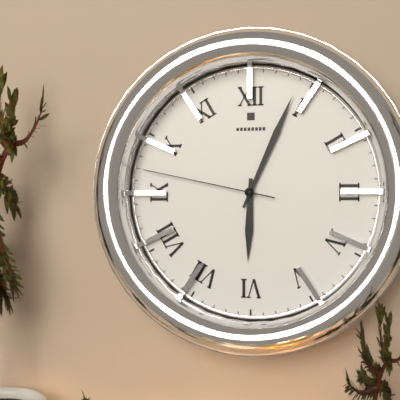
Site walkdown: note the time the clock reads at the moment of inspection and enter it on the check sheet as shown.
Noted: 6:04:47
